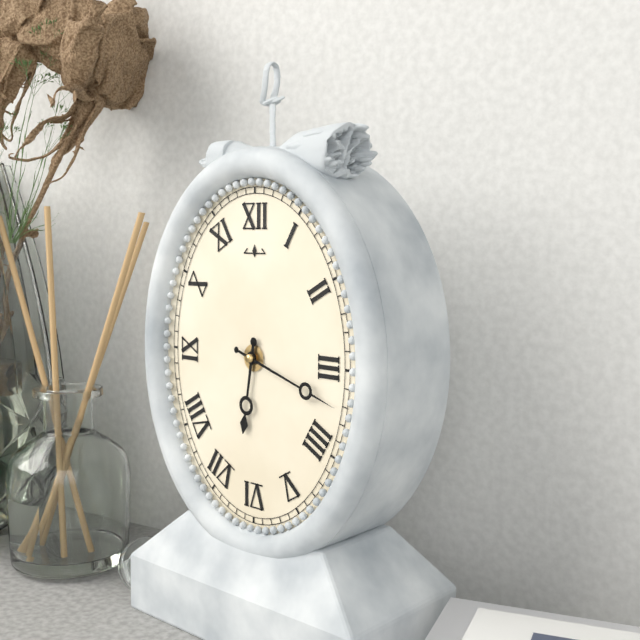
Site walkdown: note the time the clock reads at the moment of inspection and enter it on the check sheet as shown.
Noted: 6:18
